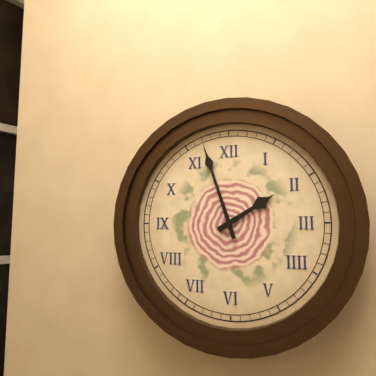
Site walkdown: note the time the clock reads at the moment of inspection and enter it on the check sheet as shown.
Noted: 1:57
